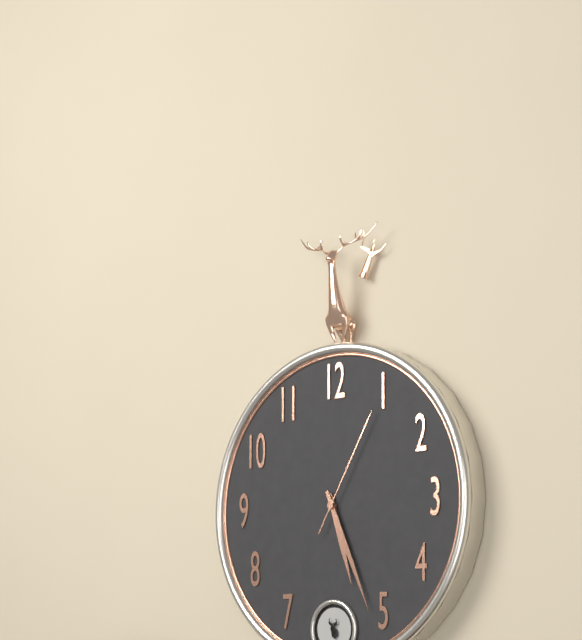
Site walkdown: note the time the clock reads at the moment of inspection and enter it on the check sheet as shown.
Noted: 5:26:05
